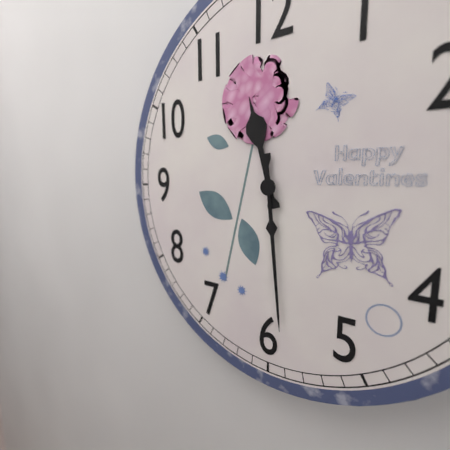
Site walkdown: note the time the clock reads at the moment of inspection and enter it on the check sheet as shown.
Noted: 11:29
